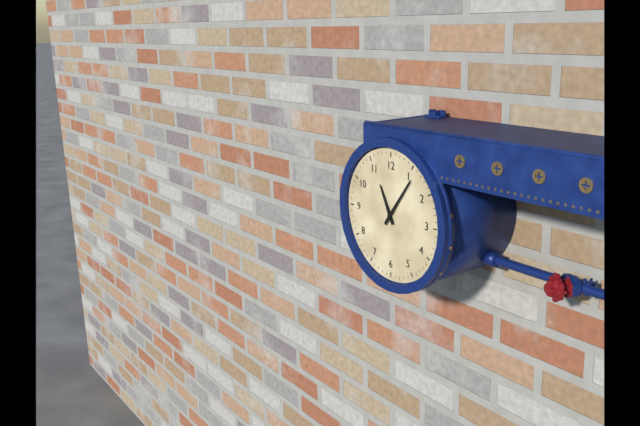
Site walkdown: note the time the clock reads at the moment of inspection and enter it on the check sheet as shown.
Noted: 11:06
